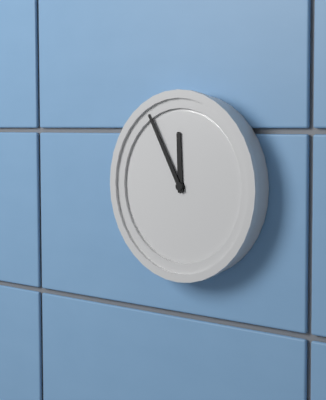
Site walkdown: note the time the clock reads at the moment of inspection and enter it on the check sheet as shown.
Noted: 11:55
